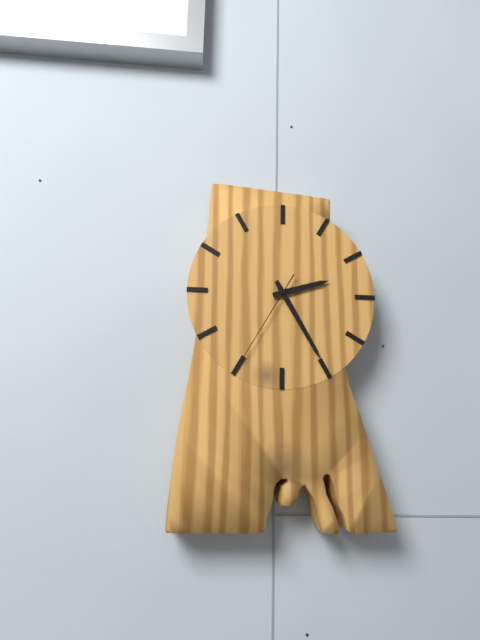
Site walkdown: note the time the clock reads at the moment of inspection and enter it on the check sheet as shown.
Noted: 2:25:35
